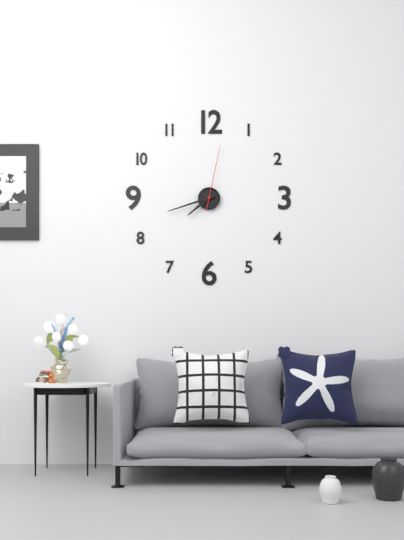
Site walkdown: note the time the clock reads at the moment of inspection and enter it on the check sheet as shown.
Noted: 7:42:02
